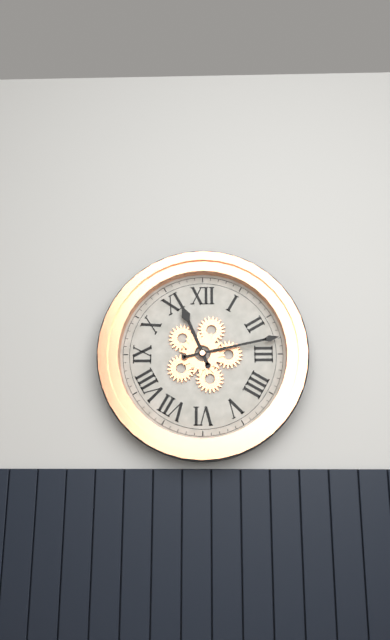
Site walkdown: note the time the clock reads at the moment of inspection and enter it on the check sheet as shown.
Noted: 11:13
